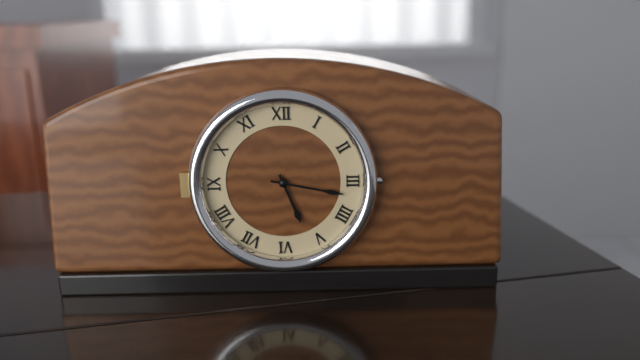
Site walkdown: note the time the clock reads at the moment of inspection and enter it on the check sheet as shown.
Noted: 5:17
